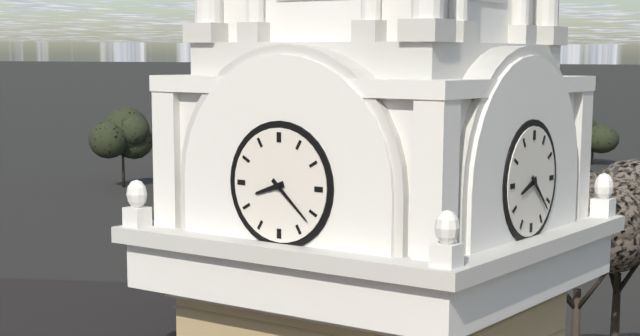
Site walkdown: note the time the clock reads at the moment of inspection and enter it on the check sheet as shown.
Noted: 8:22
